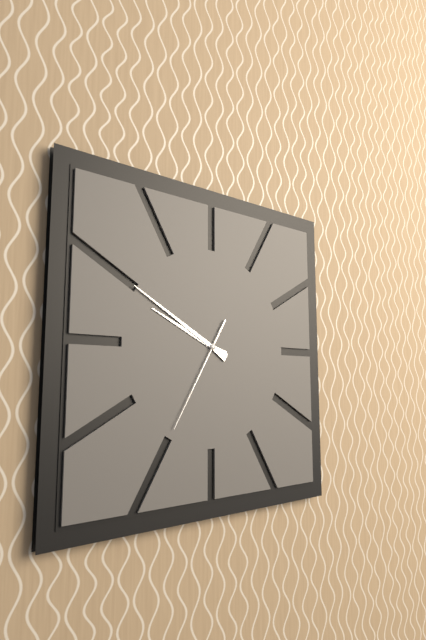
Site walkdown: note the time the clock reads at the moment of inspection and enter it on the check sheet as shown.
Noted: 9:50:35
